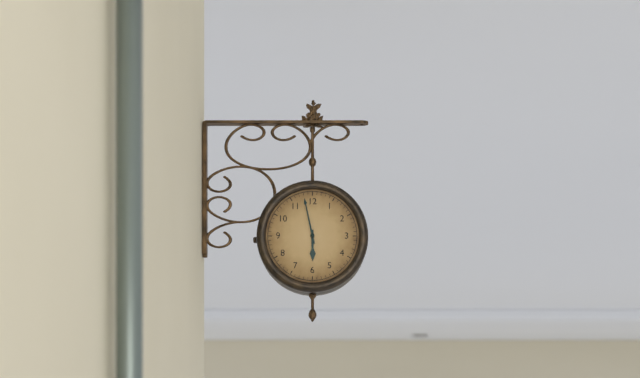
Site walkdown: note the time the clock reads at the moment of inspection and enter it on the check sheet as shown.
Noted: 5:58
